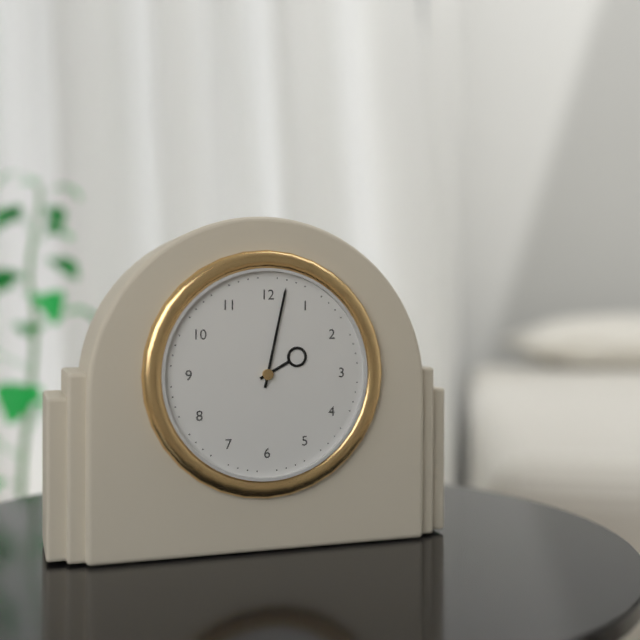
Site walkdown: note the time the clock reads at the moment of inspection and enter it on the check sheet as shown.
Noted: 2:02
